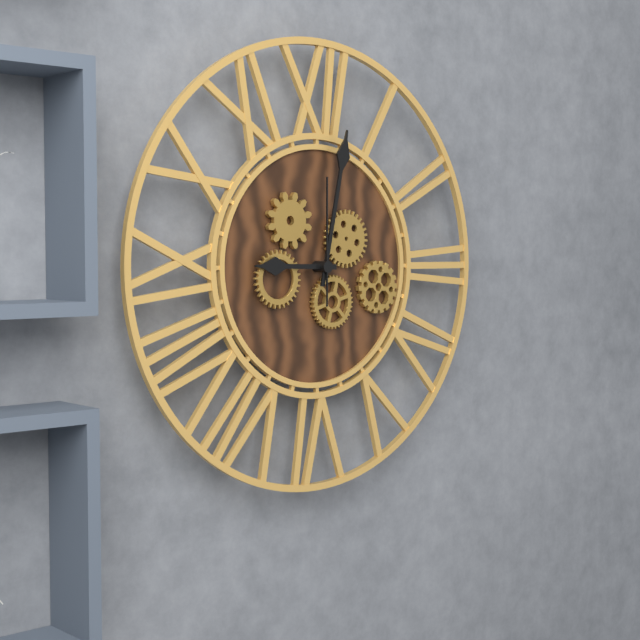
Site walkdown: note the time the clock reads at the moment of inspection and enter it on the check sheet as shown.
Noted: 9:02:00
